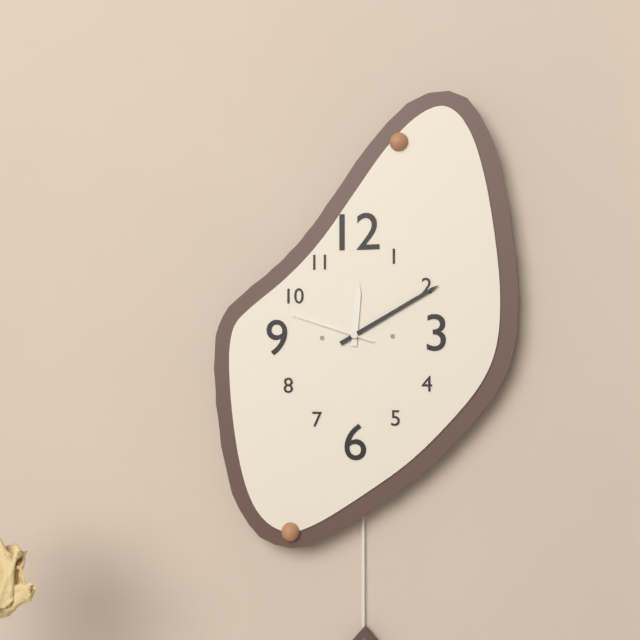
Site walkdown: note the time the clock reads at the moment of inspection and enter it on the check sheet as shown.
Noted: 12:10:48
